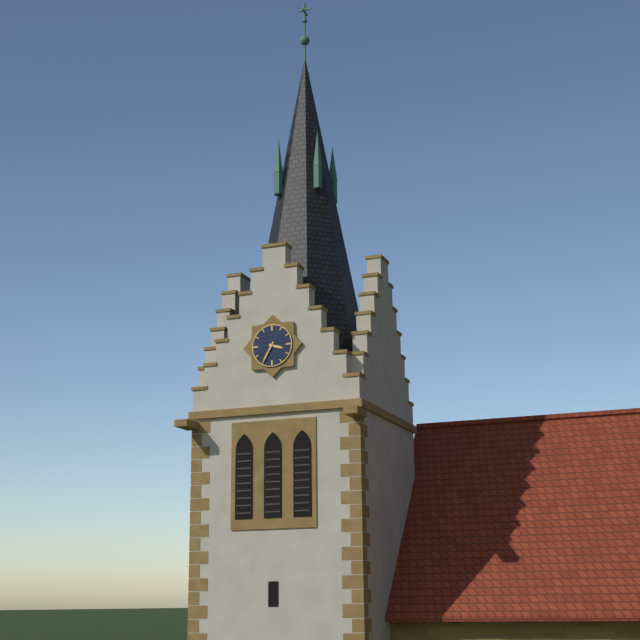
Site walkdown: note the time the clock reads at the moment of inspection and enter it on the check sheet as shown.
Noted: 3:35
